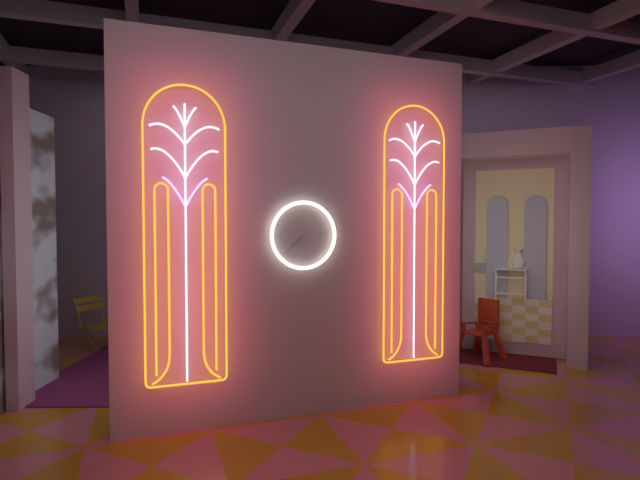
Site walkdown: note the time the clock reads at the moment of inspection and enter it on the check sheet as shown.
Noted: 7:38
